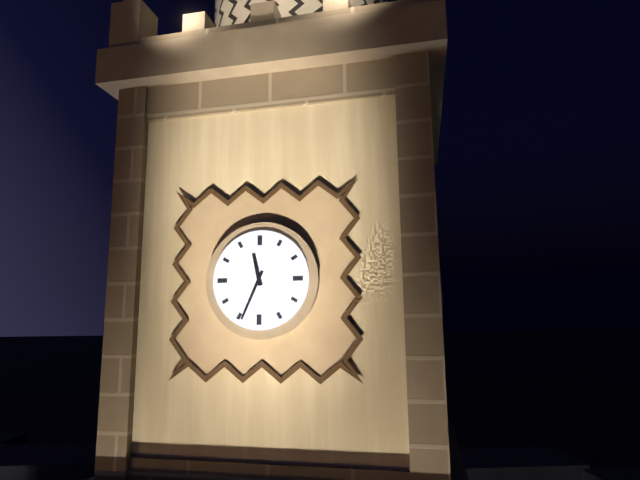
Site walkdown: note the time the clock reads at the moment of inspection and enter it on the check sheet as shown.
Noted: 11:34
